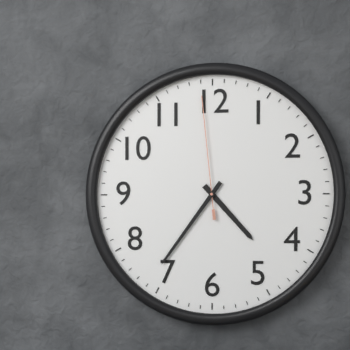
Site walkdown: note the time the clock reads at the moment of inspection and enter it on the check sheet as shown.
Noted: 4:36:59
